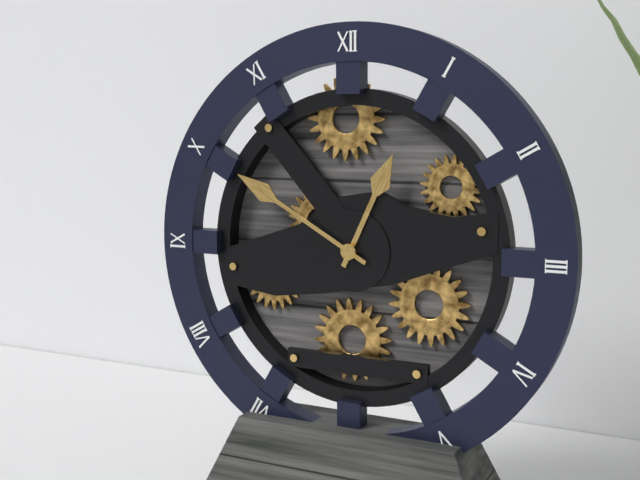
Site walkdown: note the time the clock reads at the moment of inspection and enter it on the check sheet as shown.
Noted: 12:50
